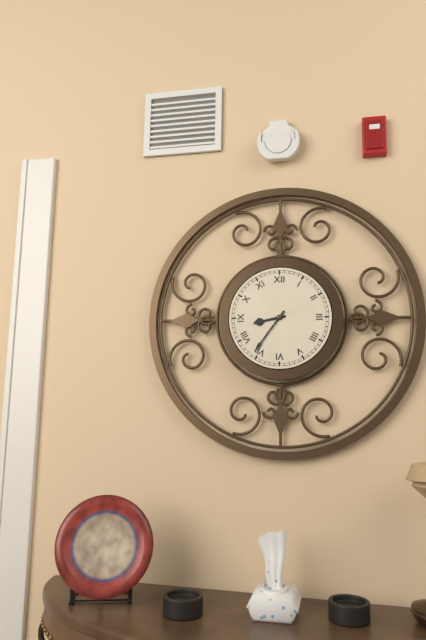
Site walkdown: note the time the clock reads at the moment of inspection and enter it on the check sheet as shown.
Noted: 8:36
